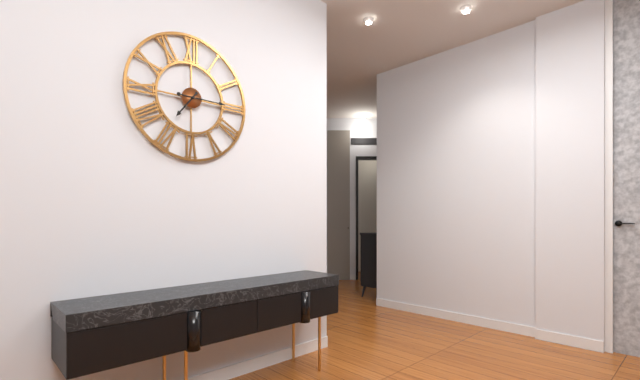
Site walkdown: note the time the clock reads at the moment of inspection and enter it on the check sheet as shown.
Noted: 7:15
